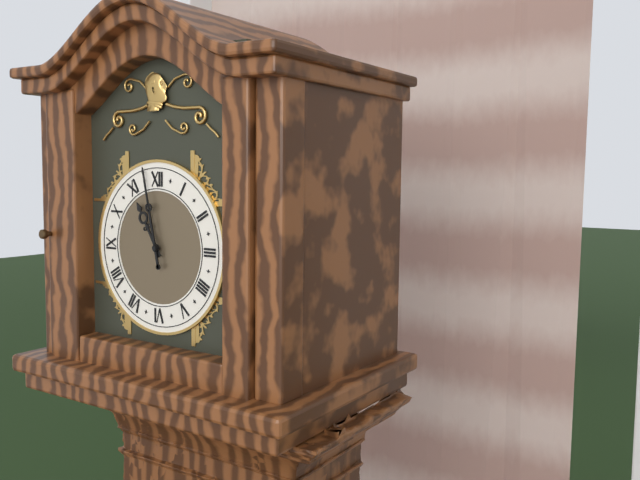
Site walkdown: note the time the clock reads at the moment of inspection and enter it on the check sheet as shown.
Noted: 10:58
